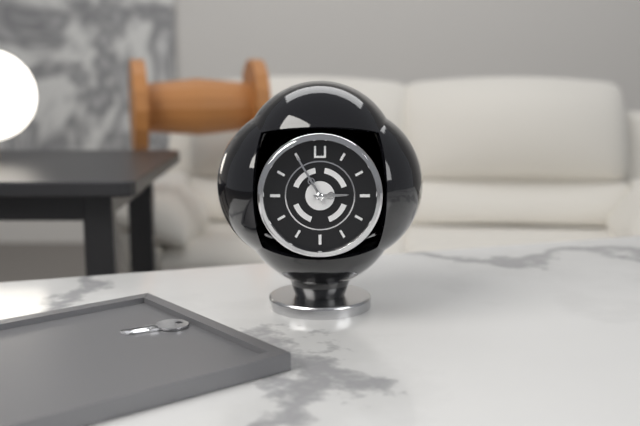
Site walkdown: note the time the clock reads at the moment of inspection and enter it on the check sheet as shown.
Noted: 2:55
